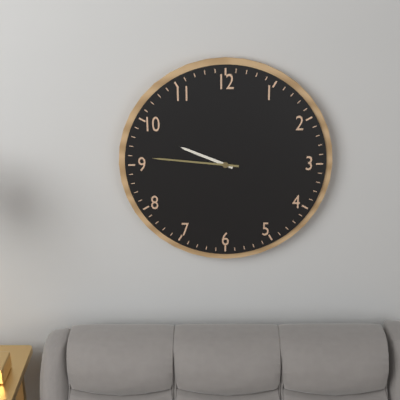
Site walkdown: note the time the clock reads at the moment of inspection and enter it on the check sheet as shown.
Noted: 9:46
